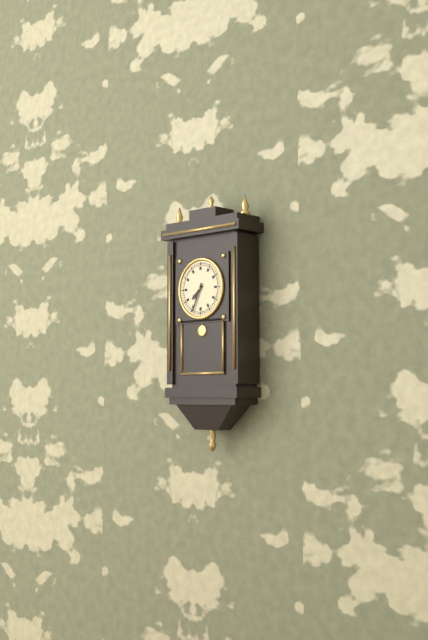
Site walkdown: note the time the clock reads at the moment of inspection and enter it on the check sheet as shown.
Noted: 7:34
